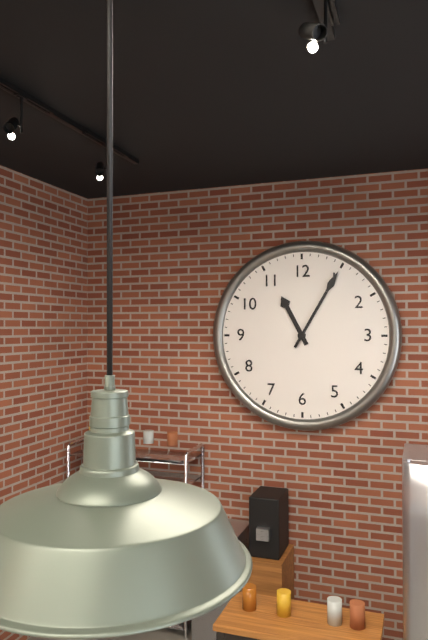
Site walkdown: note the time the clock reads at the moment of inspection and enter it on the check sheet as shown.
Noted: 11:05
